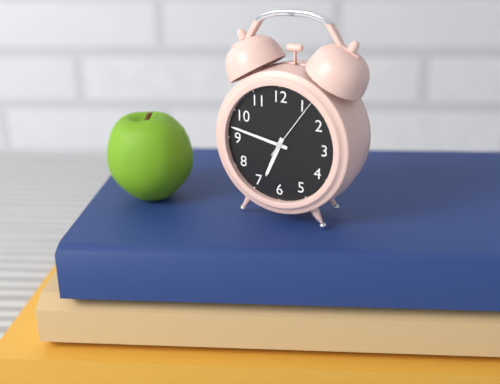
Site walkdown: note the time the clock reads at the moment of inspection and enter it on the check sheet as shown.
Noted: 6:47:06
